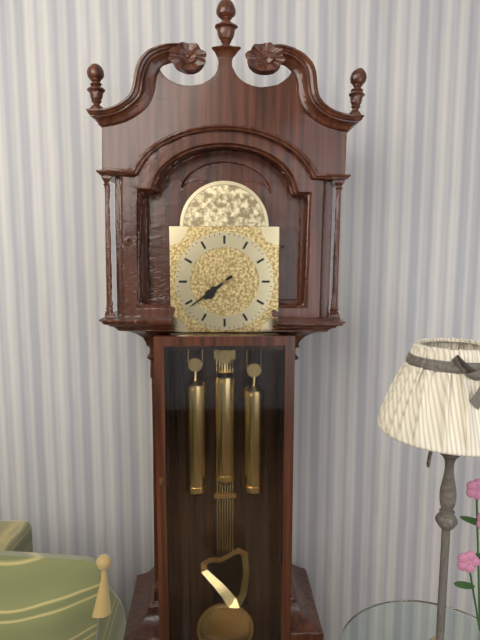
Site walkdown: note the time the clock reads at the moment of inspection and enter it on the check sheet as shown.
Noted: 7:39
